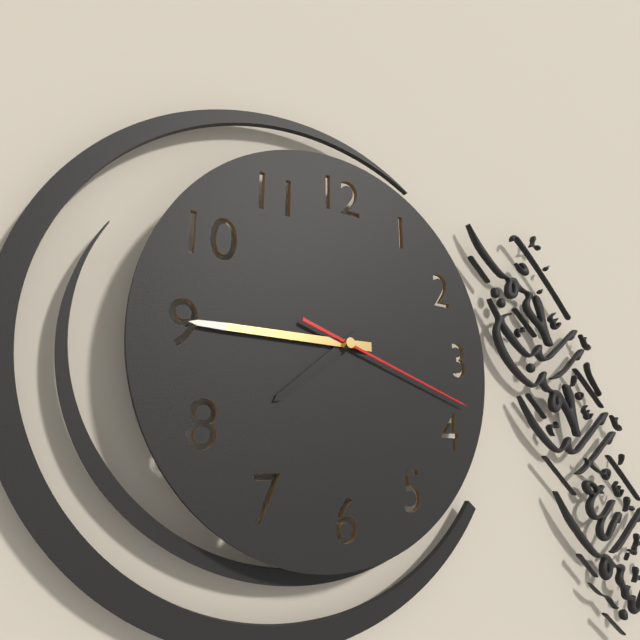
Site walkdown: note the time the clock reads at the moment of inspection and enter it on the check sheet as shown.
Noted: 7:45:18
